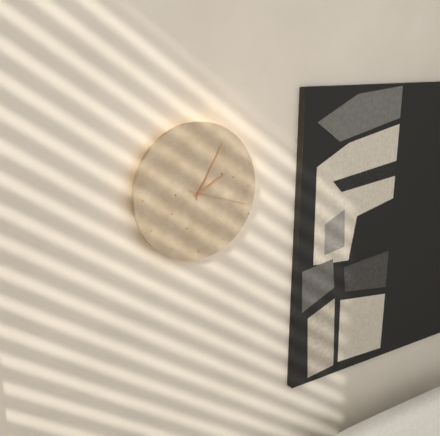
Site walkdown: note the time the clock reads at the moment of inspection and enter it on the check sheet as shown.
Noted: 2:05:18
